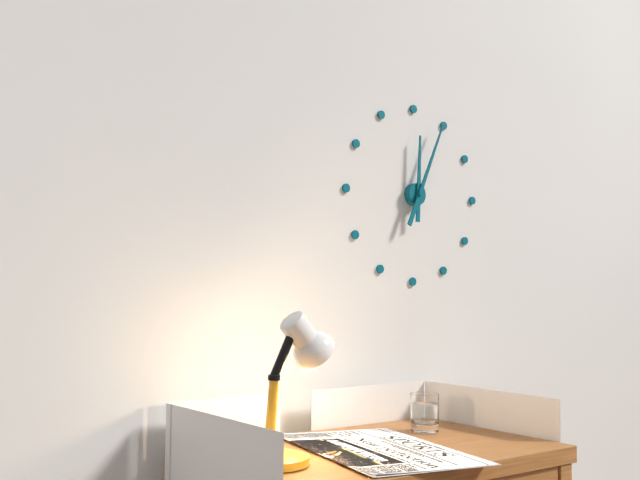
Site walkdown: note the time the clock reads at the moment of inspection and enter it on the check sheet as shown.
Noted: 12:04
